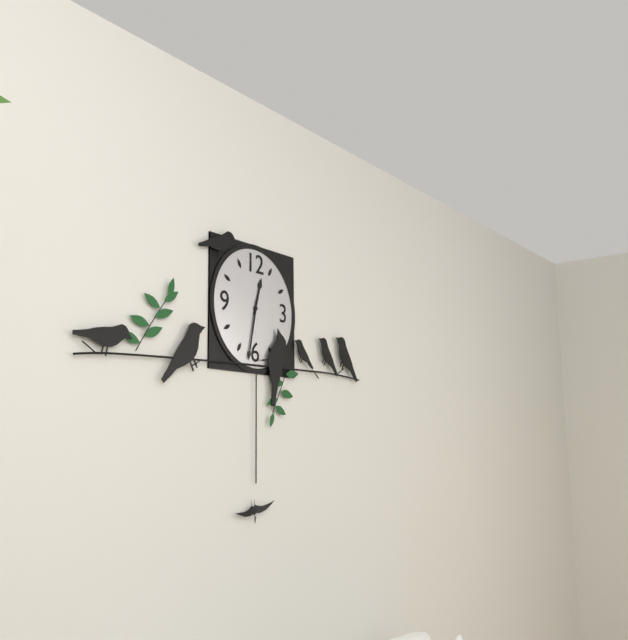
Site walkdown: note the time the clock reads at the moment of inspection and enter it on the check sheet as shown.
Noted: 12:32
